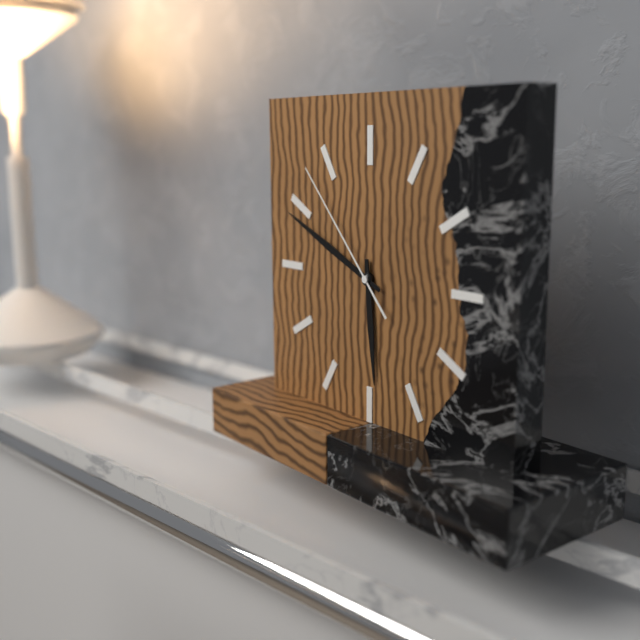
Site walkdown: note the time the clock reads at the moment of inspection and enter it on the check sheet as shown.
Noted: 5:49:53
